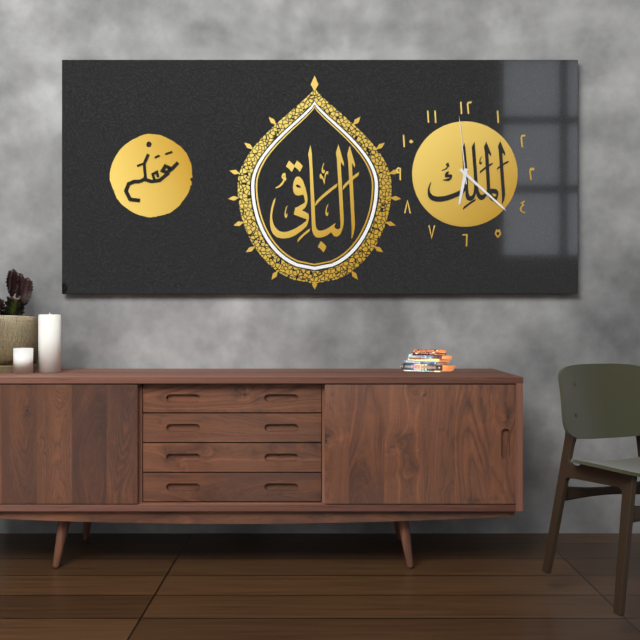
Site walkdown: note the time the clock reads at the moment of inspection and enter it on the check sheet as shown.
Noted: 6:22:59
